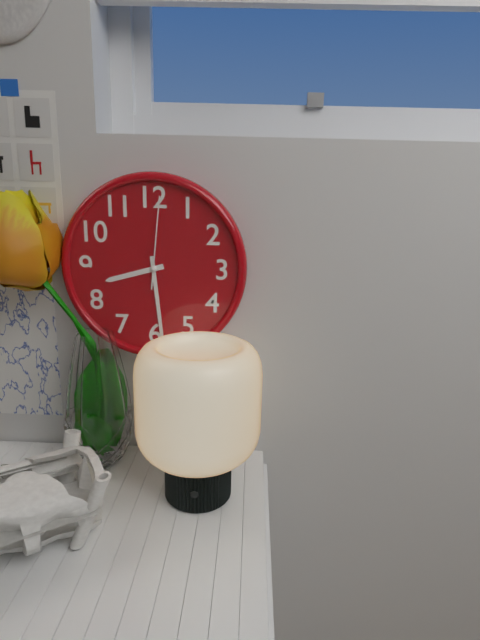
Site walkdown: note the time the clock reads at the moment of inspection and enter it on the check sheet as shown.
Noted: 8:29:01
